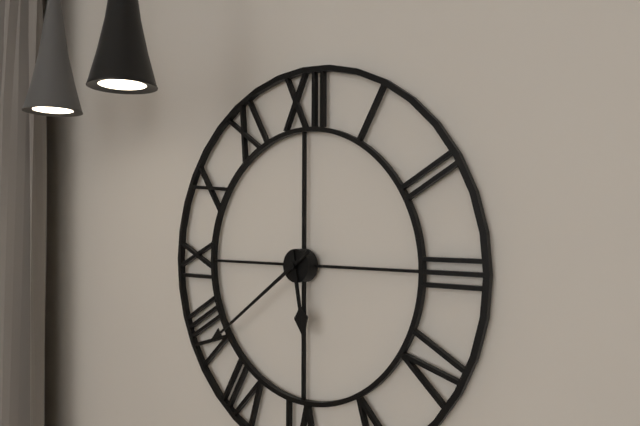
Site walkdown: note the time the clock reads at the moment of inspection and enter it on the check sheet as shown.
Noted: 5:39
